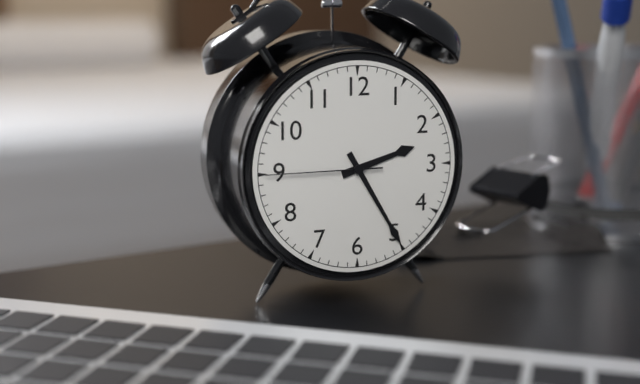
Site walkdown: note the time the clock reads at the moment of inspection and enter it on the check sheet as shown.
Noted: 2:25:45
